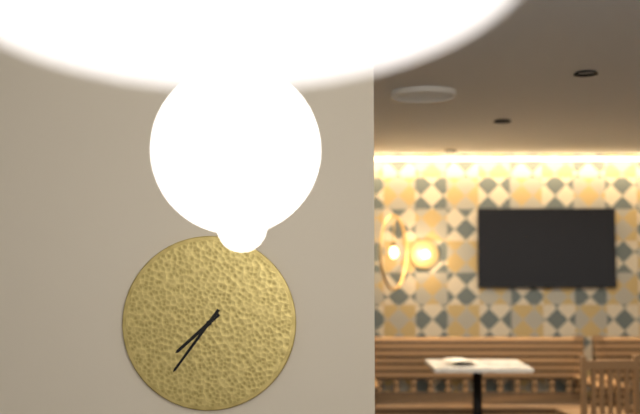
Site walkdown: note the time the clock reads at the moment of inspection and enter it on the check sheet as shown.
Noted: 7:36
